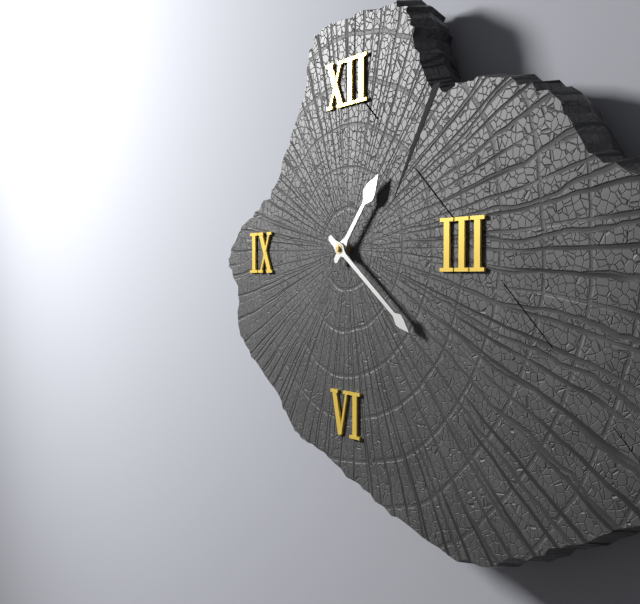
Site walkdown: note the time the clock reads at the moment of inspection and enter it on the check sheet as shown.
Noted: 1:21
